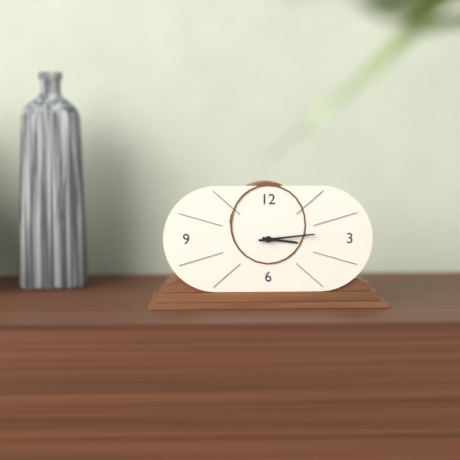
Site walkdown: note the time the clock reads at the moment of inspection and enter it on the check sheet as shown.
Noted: 3:14
